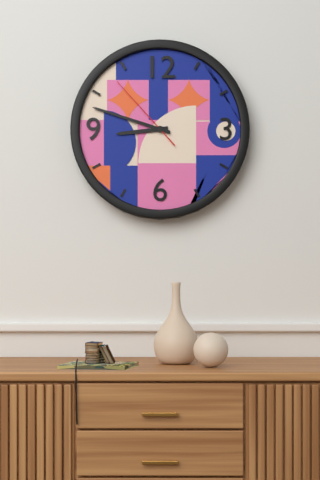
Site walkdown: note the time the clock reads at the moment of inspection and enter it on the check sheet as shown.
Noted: 8:48:53
